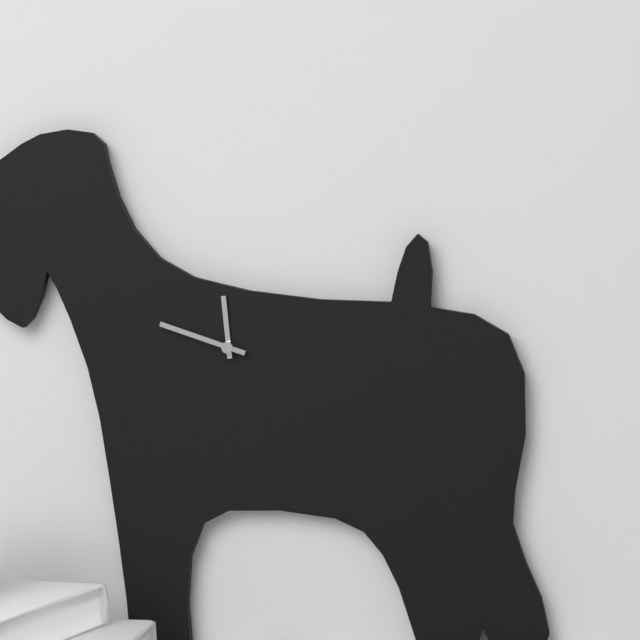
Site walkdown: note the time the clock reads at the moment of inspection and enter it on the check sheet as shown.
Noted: 11:48
